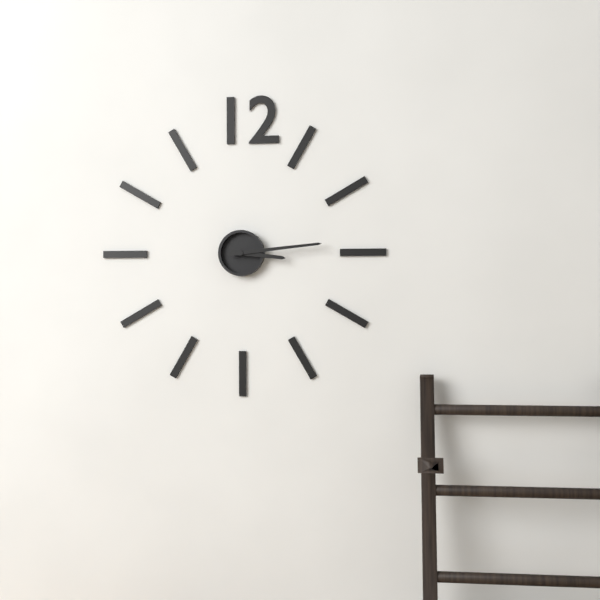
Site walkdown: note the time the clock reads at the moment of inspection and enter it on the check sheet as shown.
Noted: 3:14
